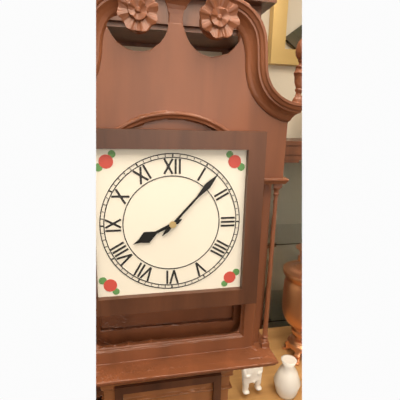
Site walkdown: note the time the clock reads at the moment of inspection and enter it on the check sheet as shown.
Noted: 8:07
